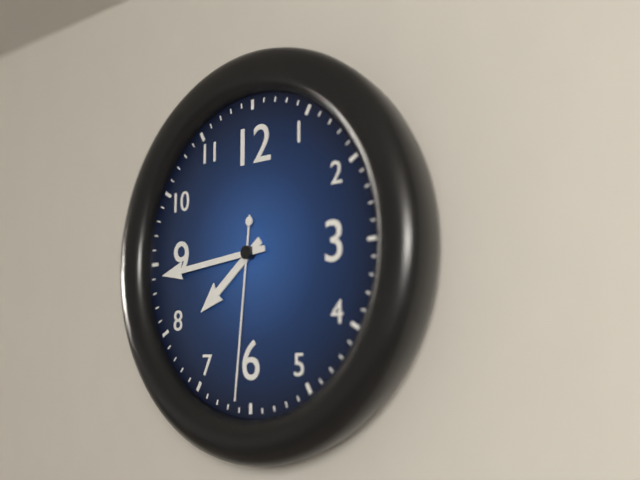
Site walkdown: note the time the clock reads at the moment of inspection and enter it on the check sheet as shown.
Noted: 7:44:31
